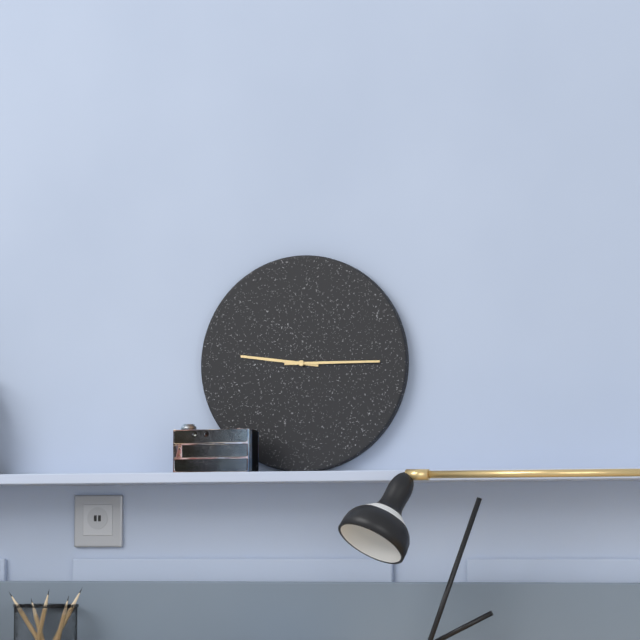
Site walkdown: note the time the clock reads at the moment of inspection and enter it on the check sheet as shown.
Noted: 9:15
